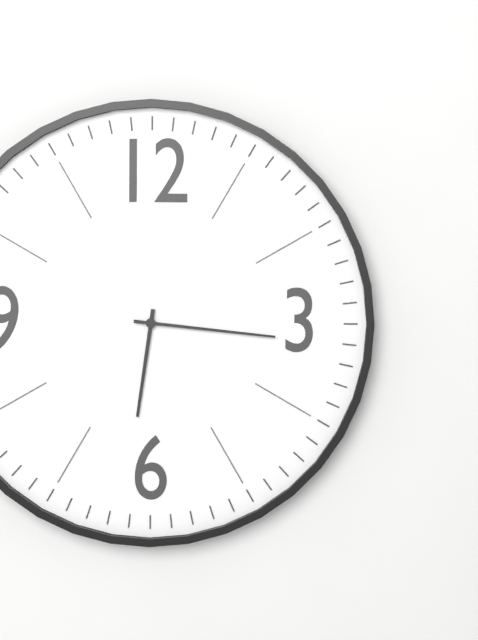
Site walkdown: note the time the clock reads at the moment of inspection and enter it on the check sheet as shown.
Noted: 6:16
